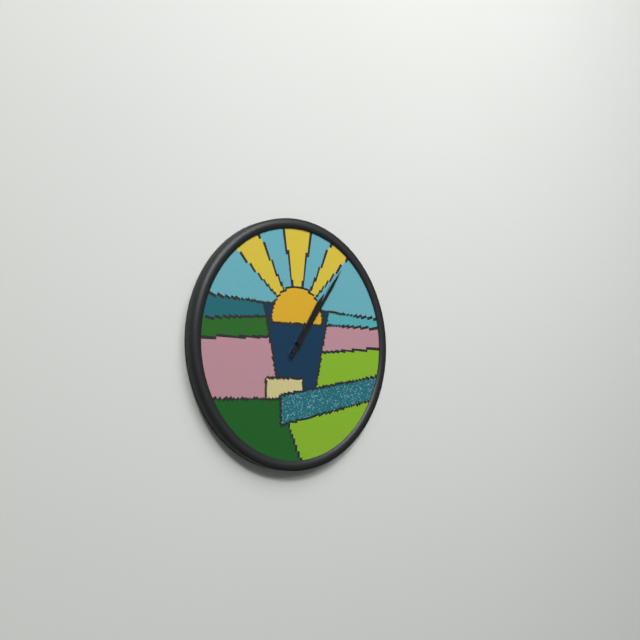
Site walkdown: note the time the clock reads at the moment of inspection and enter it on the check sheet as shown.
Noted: 1:06
